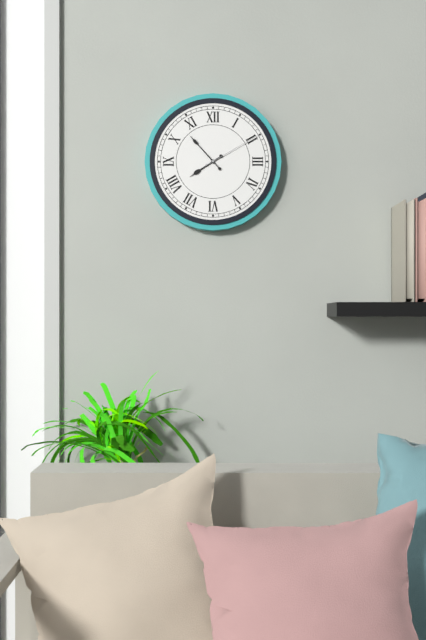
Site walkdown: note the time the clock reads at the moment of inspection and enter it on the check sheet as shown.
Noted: 7:53:10
